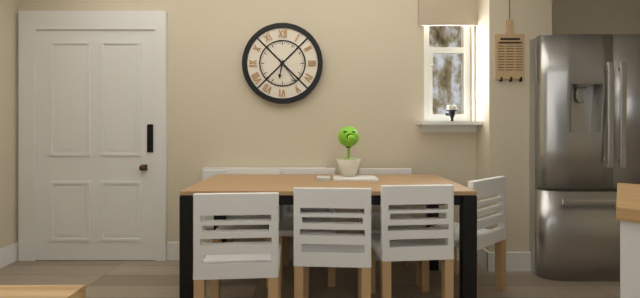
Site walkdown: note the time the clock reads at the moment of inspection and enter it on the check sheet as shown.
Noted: 6:24
